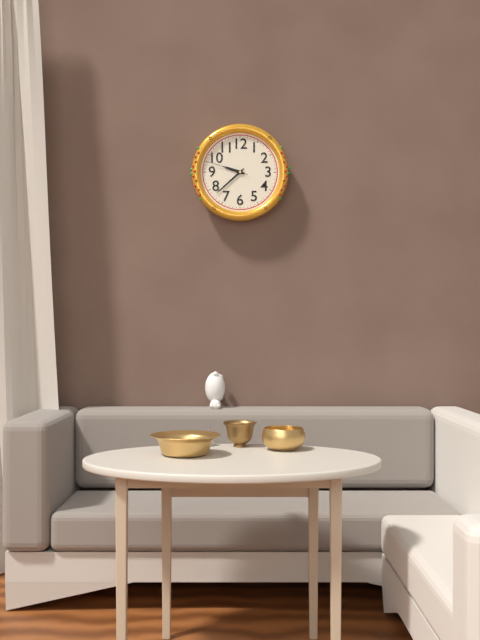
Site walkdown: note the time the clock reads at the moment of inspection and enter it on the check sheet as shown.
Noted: 9:38
